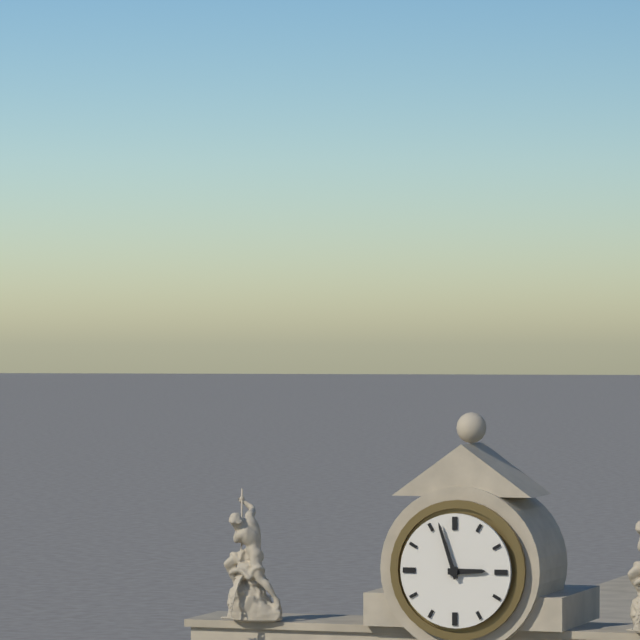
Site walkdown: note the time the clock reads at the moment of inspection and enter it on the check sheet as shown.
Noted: 2:57
